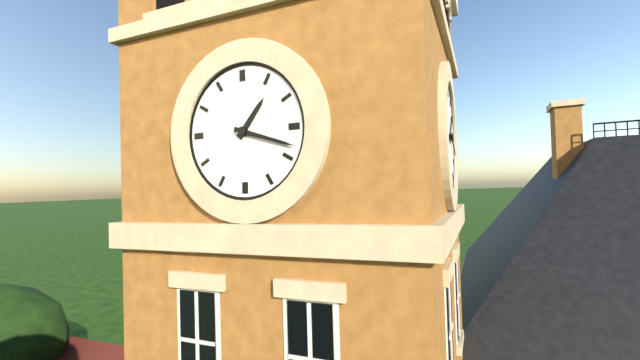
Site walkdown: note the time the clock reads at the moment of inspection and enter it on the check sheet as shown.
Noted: 1:18
